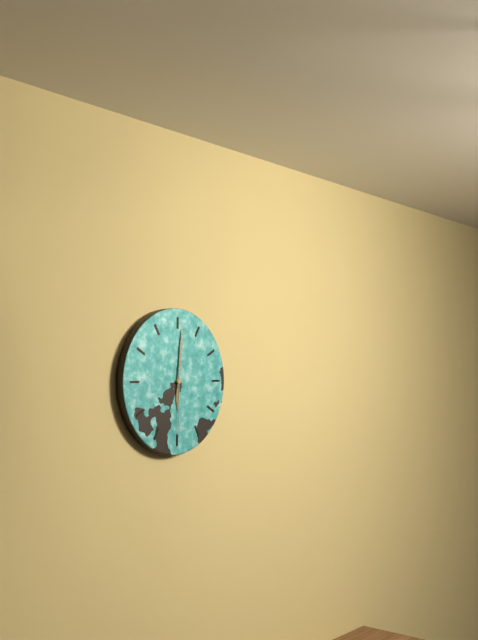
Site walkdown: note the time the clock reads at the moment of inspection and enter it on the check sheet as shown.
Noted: 6:01:30
